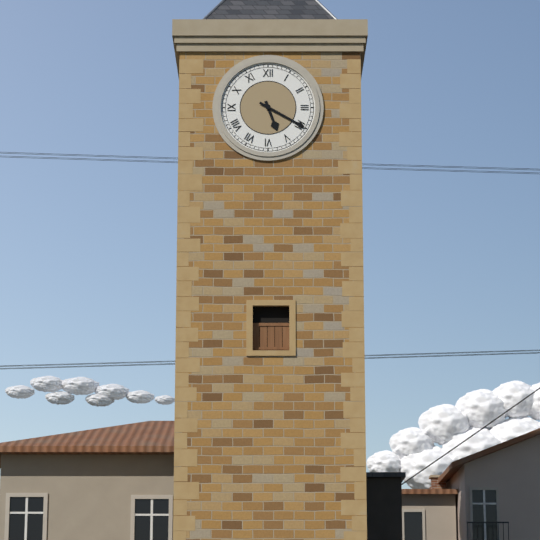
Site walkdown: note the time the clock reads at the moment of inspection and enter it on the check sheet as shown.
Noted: 5:20
